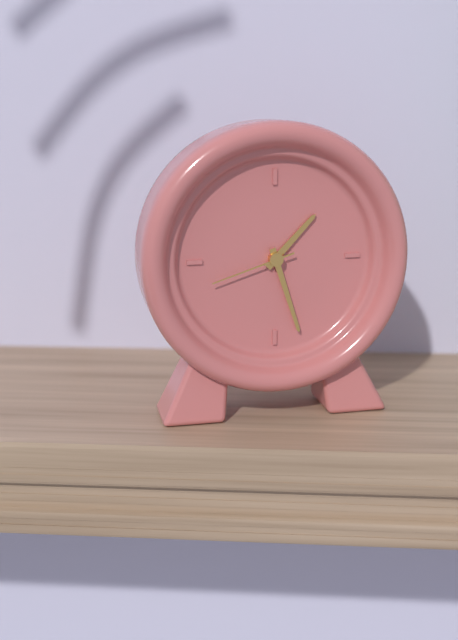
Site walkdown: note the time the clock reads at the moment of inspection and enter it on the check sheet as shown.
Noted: 1:27:42
